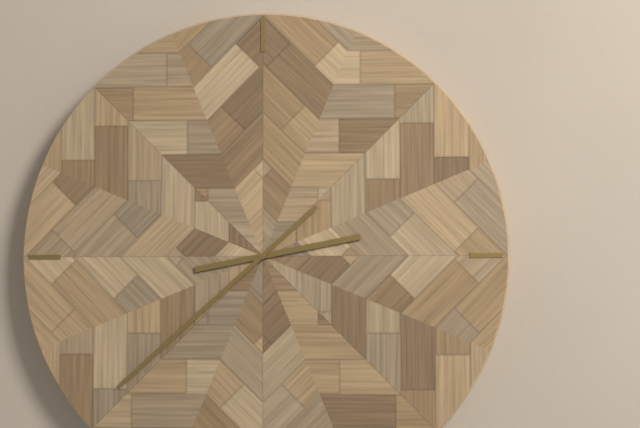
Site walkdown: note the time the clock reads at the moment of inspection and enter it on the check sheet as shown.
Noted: 2:38
